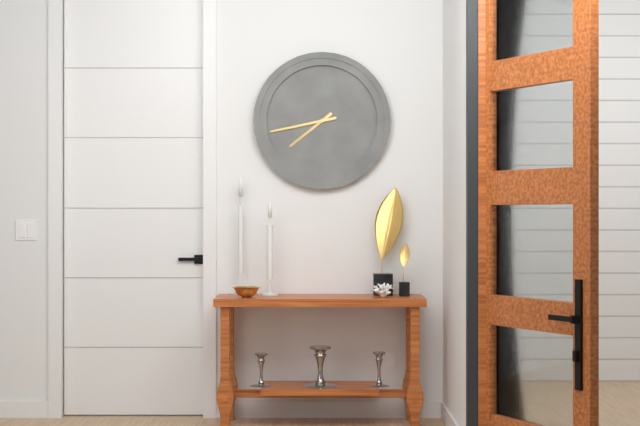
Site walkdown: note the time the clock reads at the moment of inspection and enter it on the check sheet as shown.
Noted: 7:43
